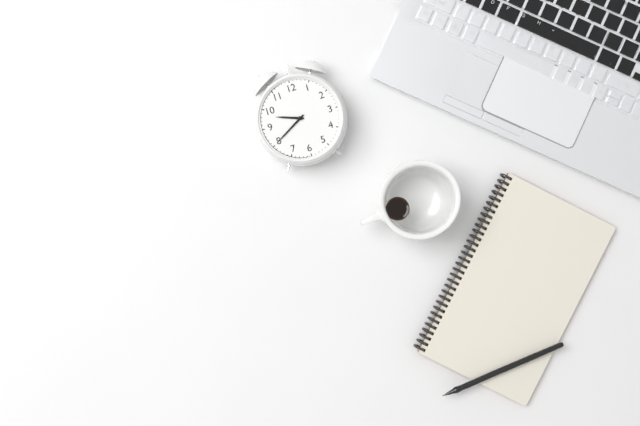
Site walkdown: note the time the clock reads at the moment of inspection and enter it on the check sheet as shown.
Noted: 9:40
